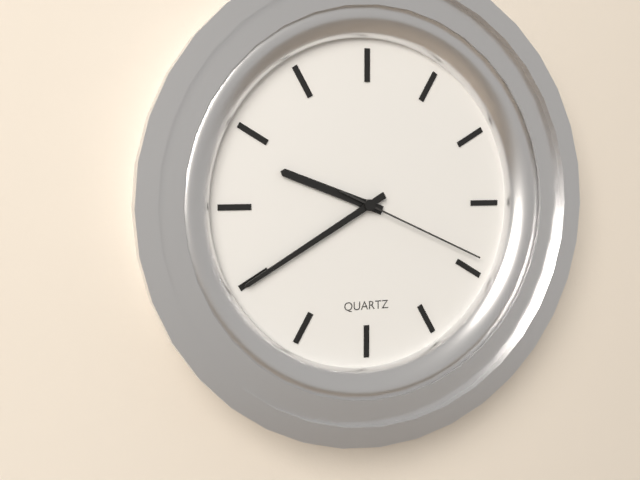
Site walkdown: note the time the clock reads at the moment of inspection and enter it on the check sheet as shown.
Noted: 9:40:19
